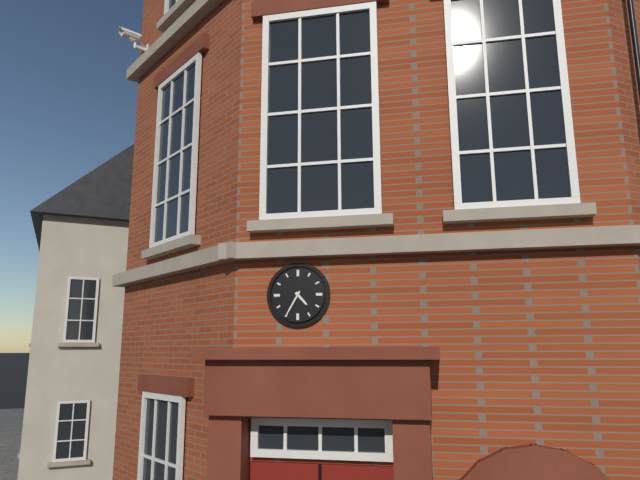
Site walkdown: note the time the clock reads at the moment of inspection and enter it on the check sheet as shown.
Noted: 4:35
